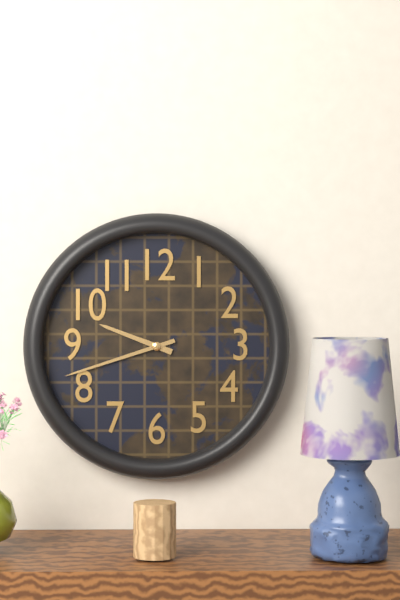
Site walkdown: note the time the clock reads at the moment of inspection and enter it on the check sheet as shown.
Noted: 9:42
